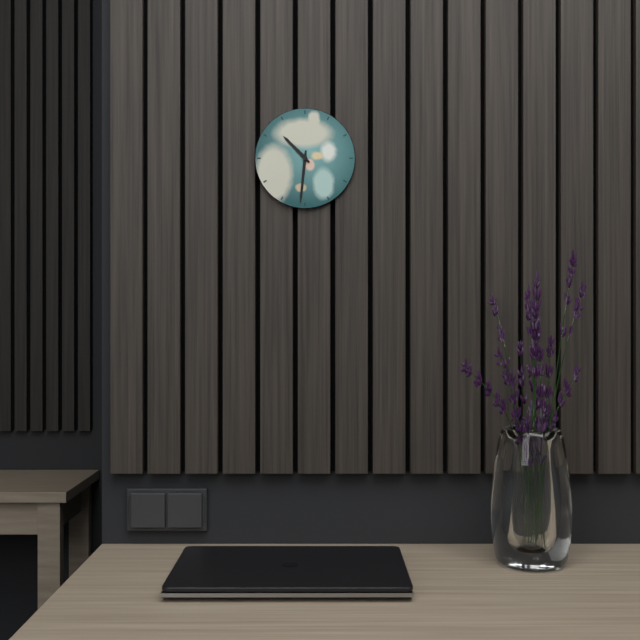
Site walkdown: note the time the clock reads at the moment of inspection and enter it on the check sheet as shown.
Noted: 10:31
